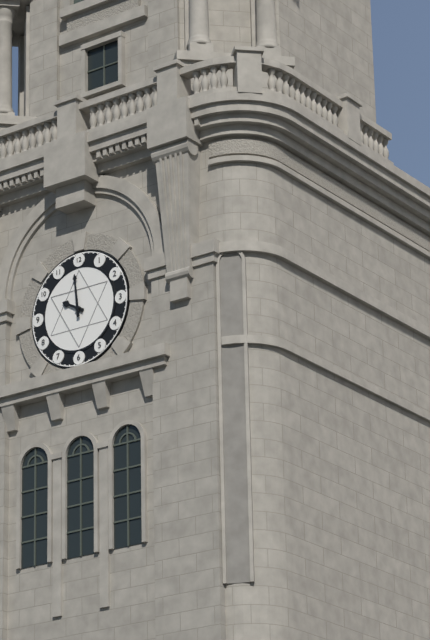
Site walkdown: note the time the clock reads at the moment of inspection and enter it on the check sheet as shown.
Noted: 9:59
